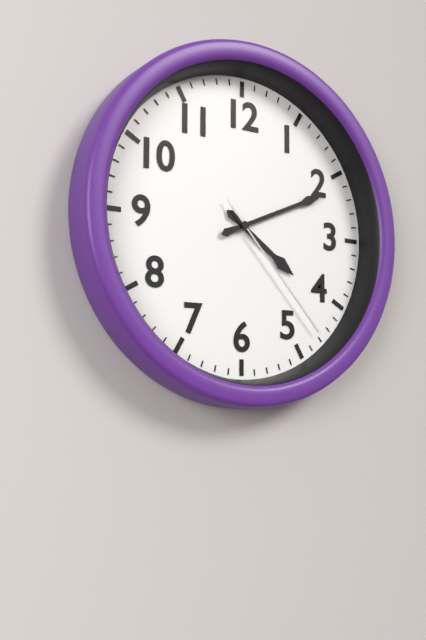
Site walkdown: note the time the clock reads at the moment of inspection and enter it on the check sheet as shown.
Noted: 4:11:23
